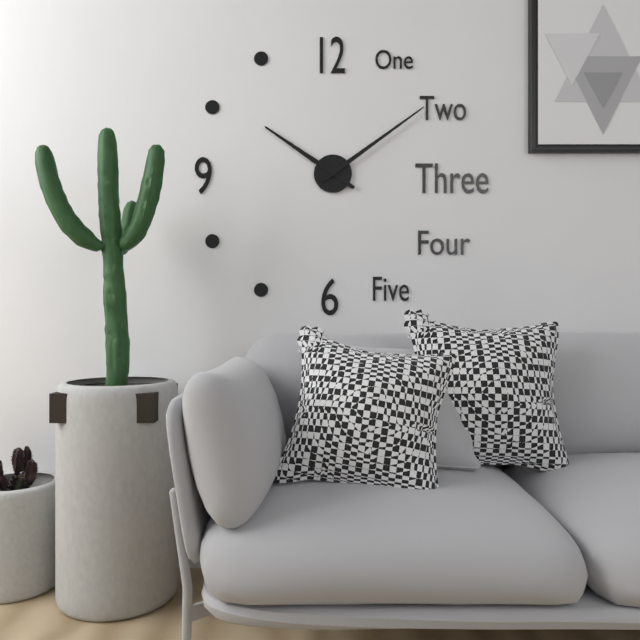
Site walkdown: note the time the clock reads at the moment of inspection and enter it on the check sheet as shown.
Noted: 10:09
